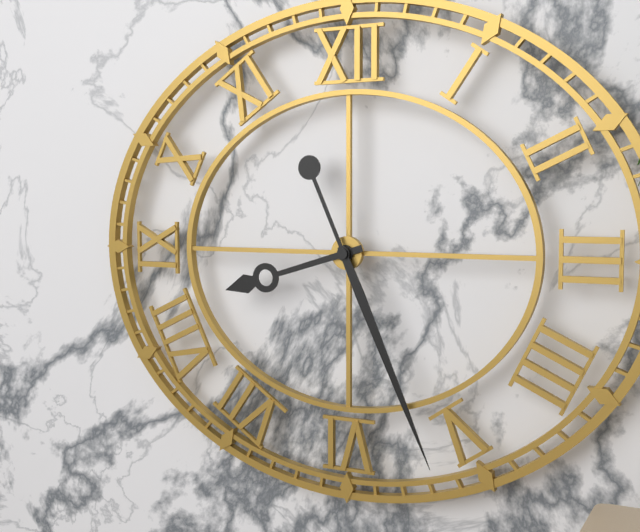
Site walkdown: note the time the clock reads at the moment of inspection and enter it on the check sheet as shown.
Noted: 8:26
